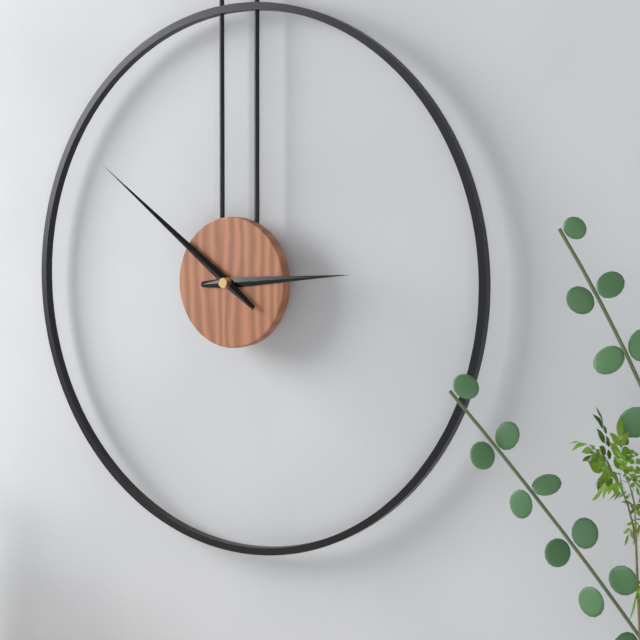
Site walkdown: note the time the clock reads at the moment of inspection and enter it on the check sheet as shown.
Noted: 2:51
